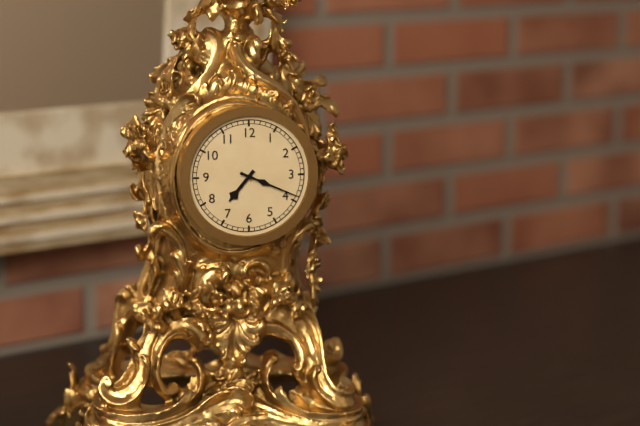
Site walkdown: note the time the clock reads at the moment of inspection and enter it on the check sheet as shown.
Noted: 7:19
